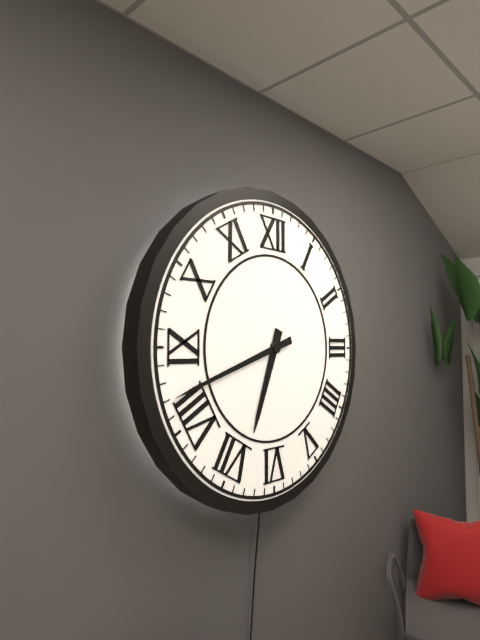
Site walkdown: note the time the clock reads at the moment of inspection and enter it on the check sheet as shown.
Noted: 6:42
